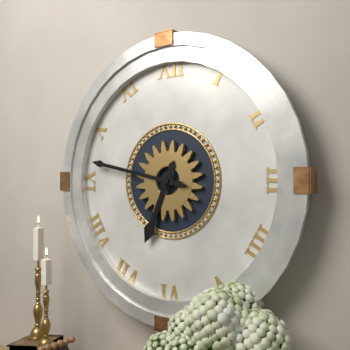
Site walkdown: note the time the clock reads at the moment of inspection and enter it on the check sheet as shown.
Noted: 6:47
